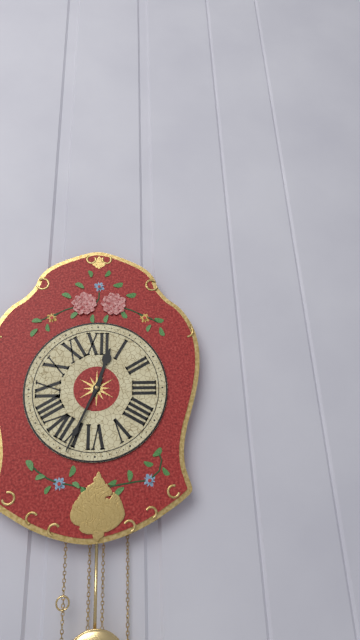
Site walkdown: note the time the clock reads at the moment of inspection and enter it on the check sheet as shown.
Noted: 12:34
